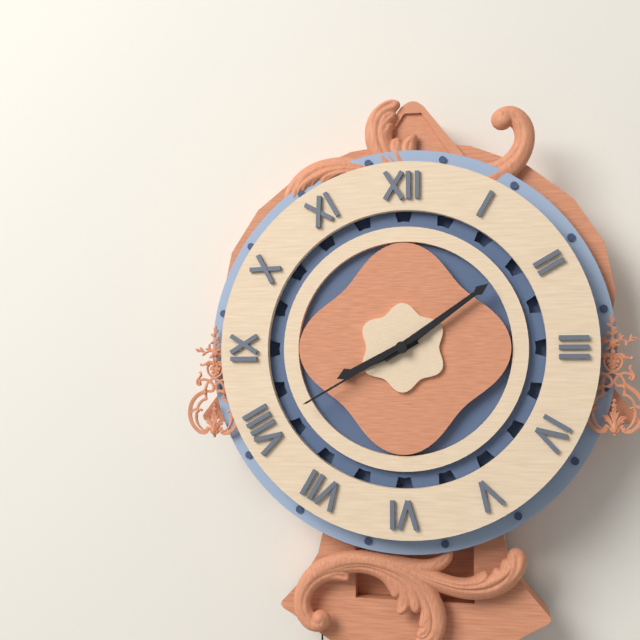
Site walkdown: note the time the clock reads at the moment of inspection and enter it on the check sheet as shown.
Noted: 8:09:40
